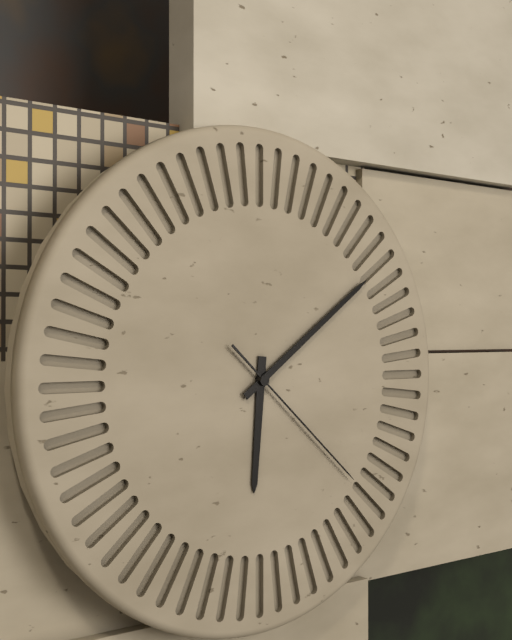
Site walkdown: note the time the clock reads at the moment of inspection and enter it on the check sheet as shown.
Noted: 6:09:22
